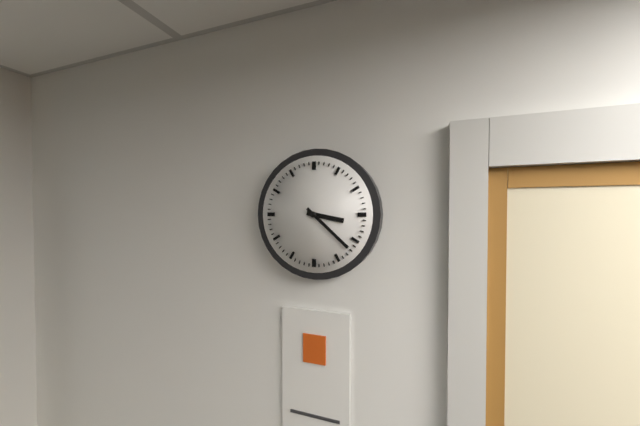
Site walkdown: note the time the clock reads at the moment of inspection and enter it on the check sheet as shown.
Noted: 3:22
